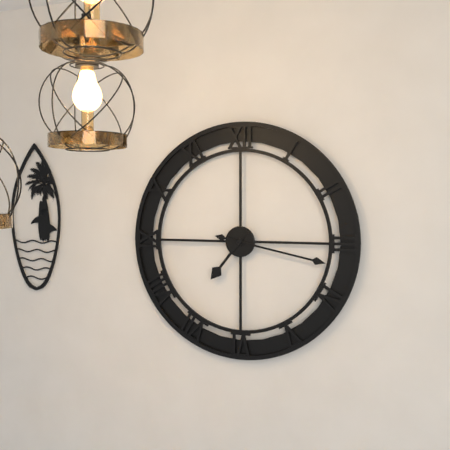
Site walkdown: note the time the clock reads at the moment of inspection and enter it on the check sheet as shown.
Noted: 7:17
